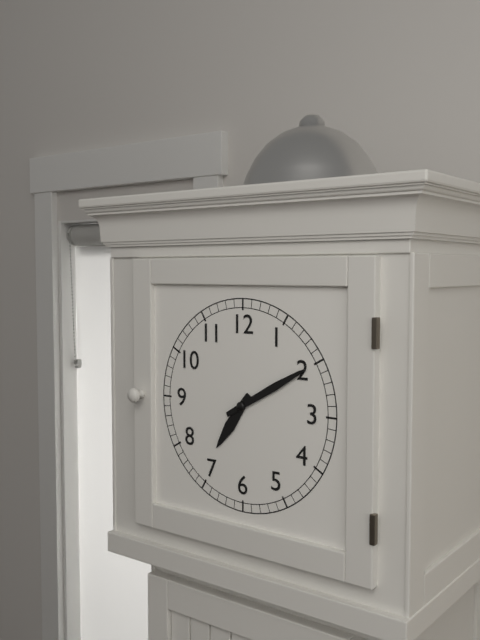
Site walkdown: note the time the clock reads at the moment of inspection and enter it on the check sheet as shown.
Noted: 7:10
